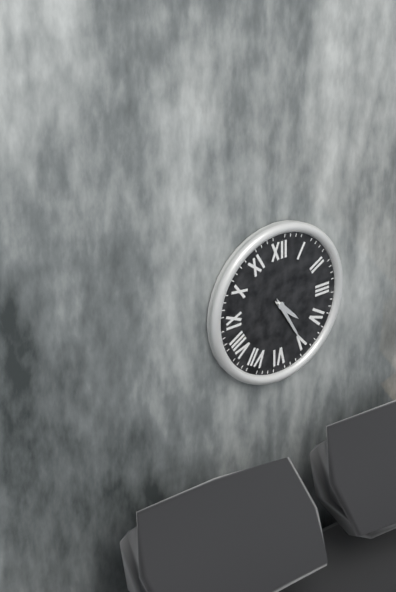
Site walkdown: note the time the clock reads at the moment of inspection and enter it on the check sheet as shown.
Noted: 4:25
